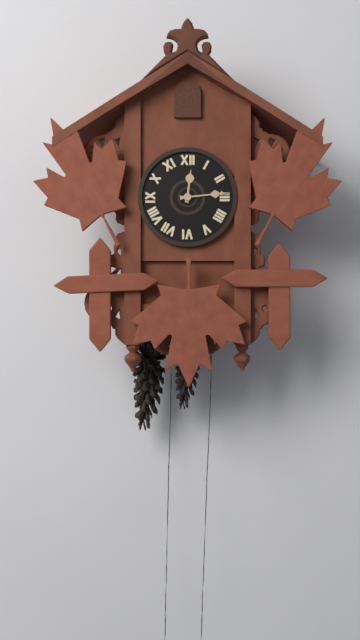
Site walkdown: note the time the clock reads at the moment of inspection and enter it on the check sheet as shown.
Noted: 12:14
